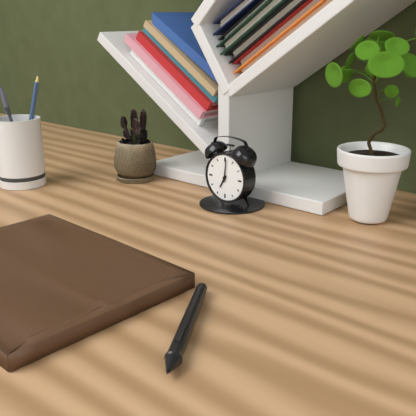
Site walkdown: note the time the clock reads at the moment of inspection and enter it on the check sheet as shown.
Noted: 7:01
